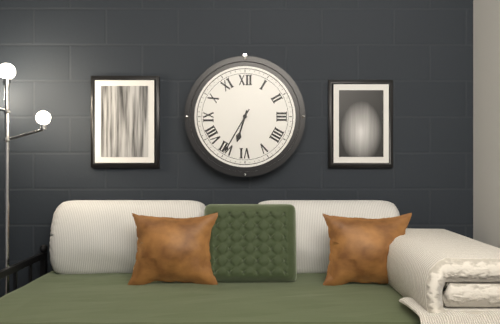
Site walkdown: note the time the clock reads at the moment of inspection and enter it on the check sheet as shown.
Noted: 6:35
